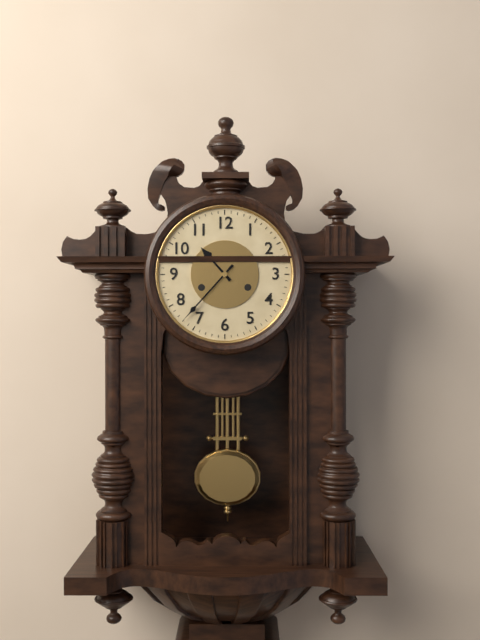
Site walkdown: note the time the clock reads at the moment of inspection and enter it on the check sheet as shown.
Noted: 10:37
